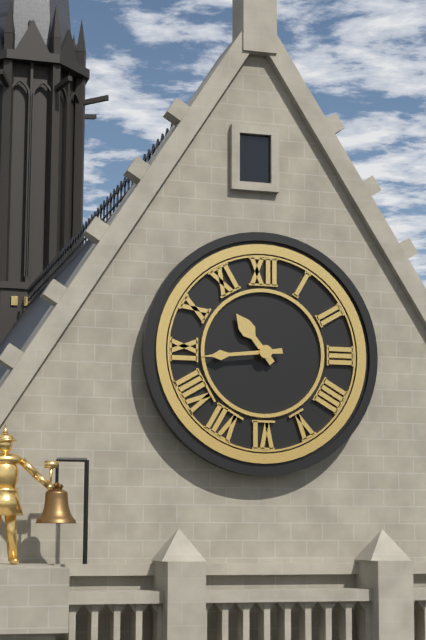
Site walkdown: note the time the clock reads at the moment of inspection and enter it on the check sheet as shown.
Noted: 10:44
